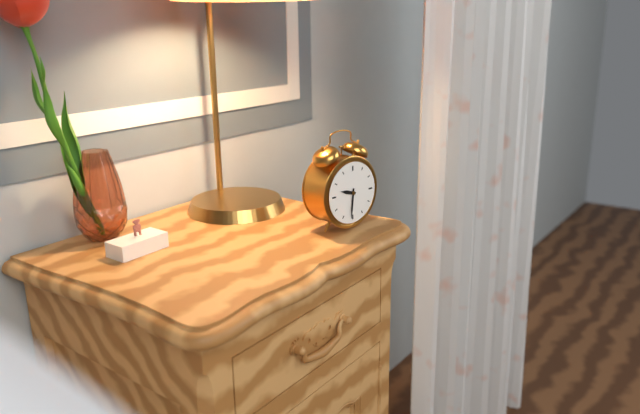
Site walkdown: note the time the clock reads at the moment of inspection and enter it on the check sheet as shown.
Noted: 9:31
